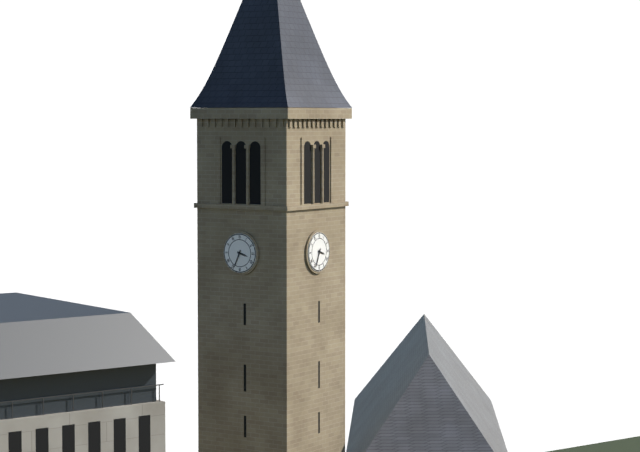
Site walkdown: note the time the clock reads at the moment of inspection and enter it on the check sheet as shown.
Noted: 3:34
